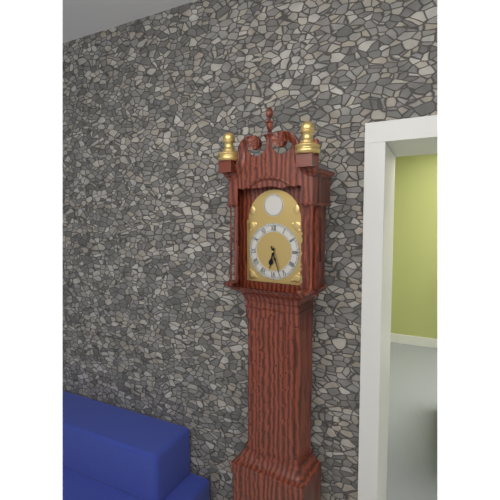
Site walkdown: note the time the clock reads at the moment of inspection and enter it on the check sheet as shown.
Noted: 6:27
